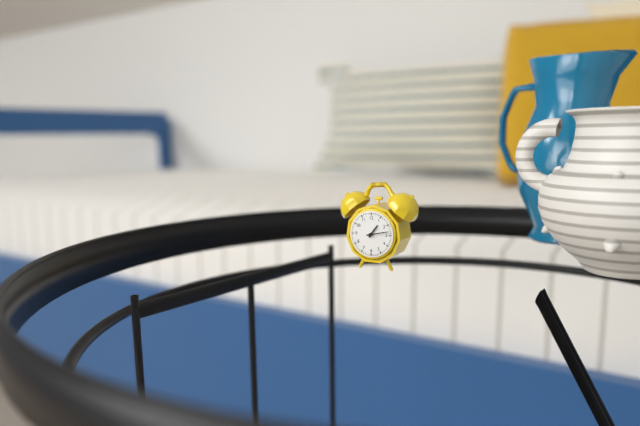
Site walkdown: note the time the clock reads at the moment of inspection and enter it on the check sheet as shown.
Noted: 1:13
